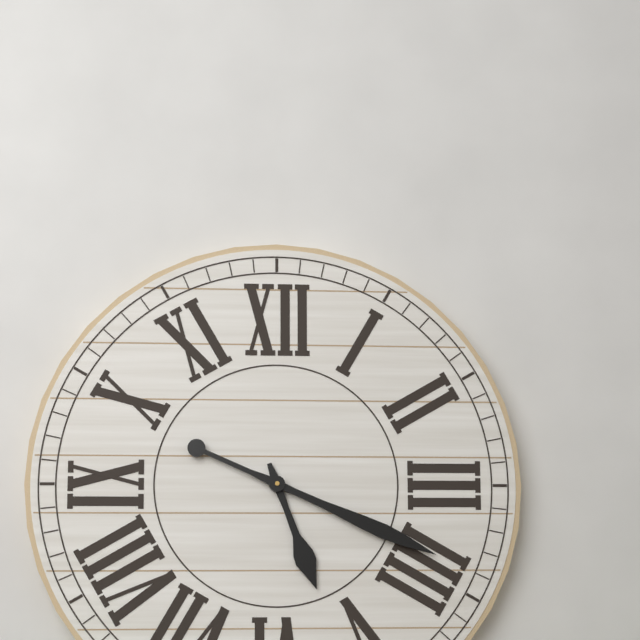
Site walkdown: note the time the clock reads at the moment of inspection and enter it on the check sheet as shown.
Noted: 5:19
